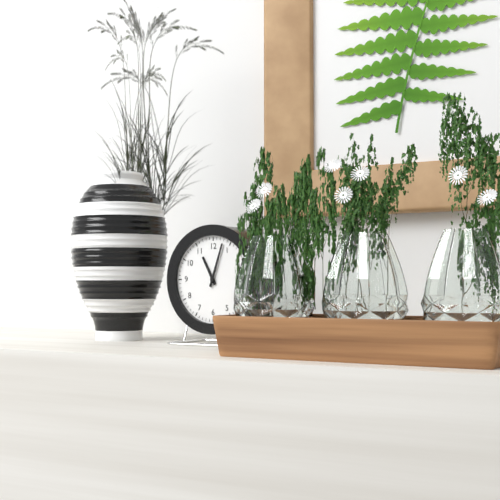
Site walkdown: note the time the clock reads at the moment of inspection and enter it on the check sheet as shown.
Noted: 11:03
